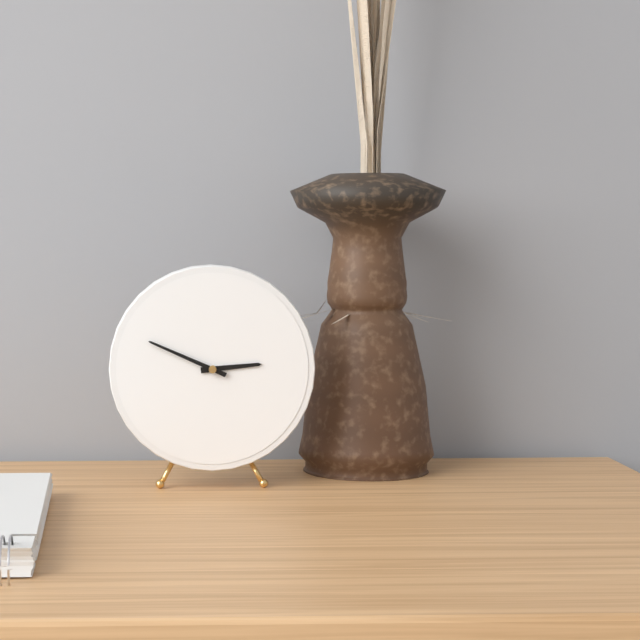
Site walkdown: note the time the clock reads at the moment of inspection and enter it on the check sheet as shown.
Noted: 2:49
